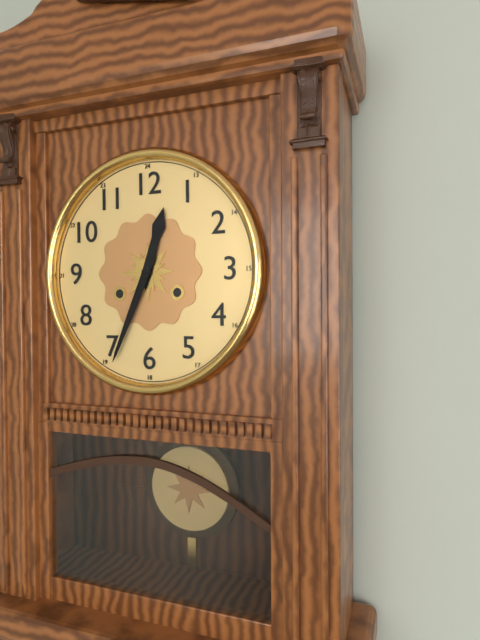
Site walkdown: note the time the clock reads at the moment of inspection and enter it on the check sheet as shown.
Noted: 12:34
